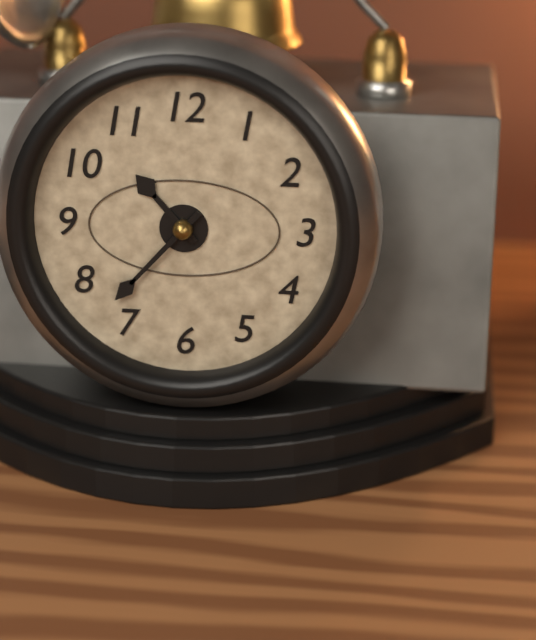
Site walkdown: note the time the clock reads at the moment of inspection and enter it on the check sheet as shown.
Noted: 10:37
